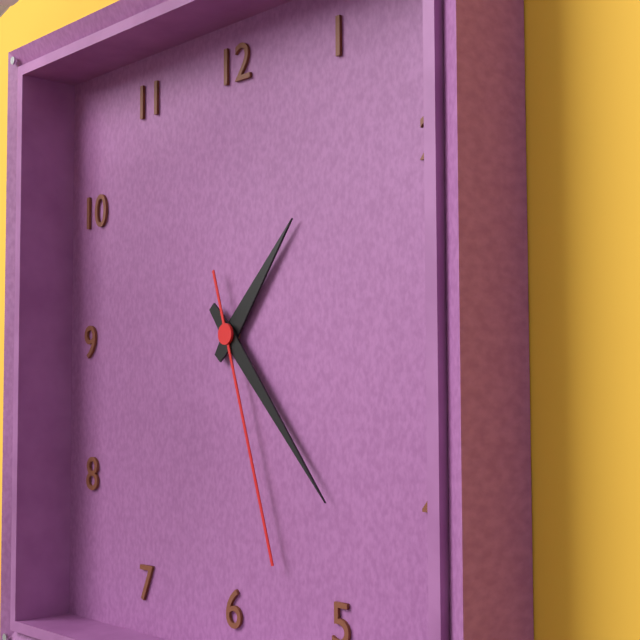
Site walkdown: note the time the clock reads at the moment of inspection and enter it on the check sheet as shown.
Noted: 1:23:27
